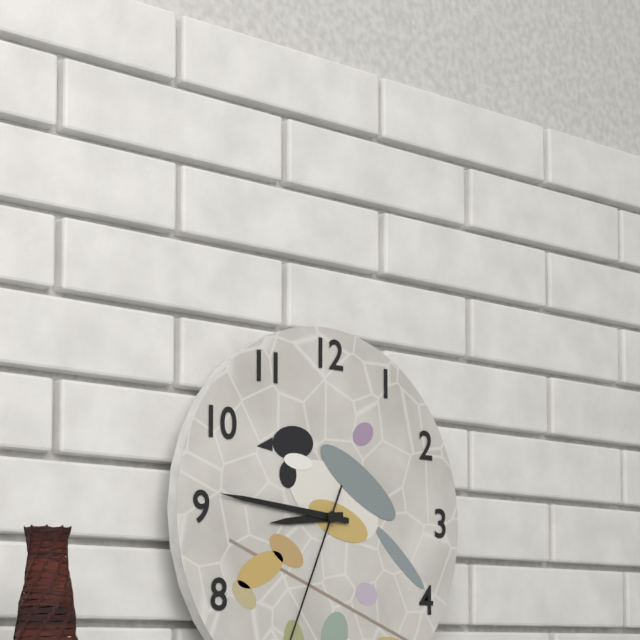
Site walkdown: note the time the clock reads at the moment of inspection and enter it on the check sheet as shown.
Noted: 8:46
